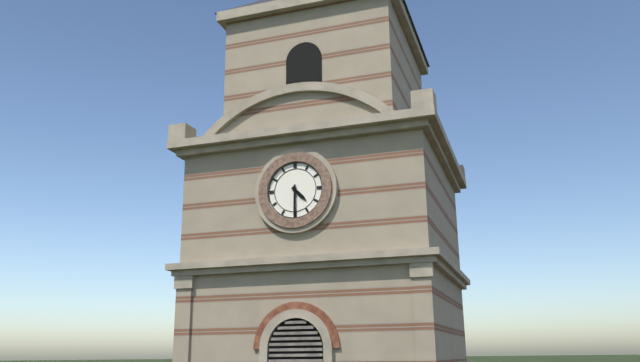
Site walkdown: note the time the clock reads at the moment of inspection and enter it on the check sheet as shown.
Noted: 4:30
